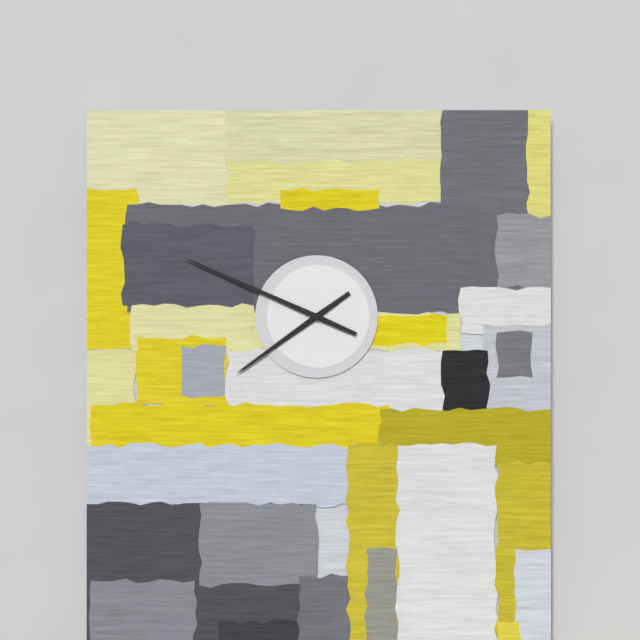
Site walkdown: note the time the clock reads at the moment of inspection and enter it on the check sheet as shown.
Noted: 7:49
